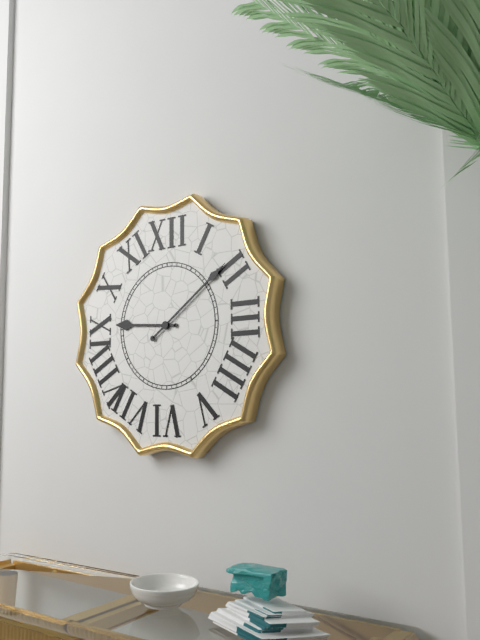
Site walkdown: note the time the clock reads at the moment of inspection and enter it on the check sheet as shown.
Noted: 9:09
